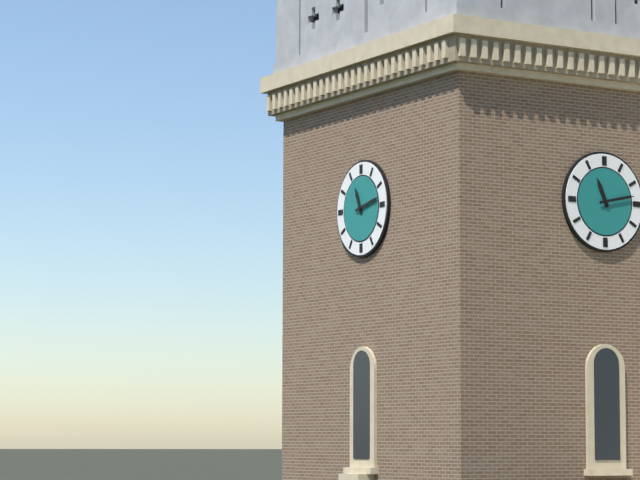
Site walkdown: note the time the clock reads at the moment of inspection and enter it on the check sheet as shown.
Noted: 11:13
